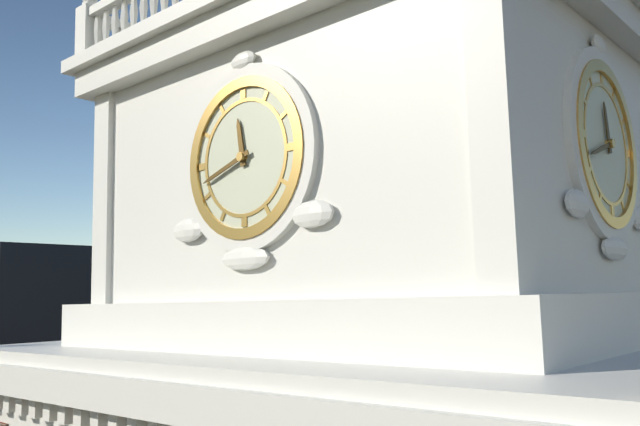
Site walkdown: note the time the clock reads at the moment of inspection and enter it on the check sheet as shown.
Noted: 11:42
